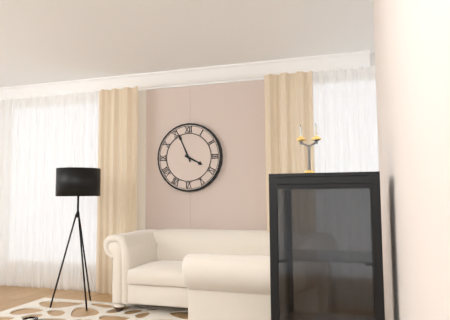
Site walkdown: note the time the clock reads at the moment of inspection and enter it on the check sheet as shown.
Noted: 3:56
